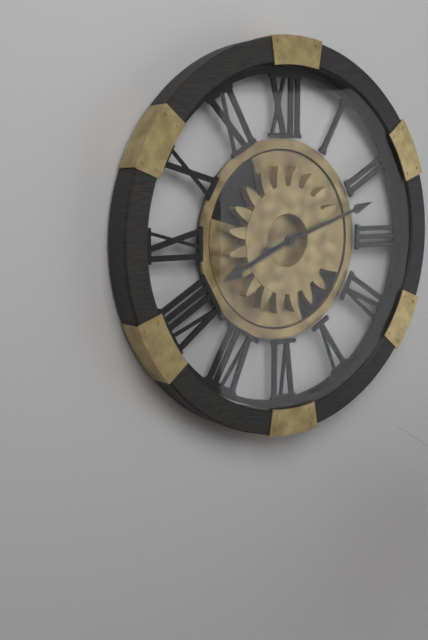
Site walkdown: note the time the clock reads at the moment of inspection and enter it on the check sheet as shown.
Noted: 8:12
